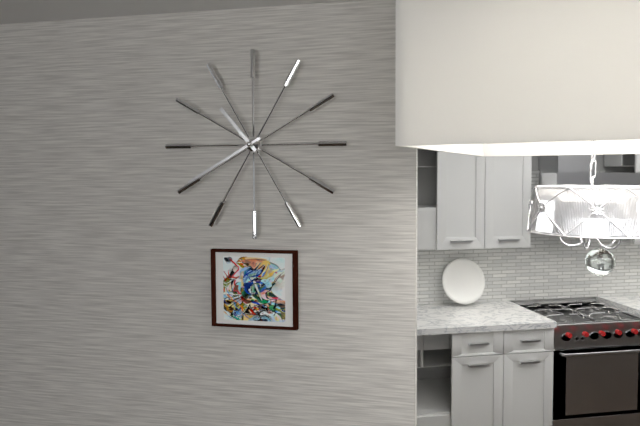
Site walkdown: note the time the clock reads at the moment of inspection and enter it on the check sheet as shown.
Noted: 10:40
